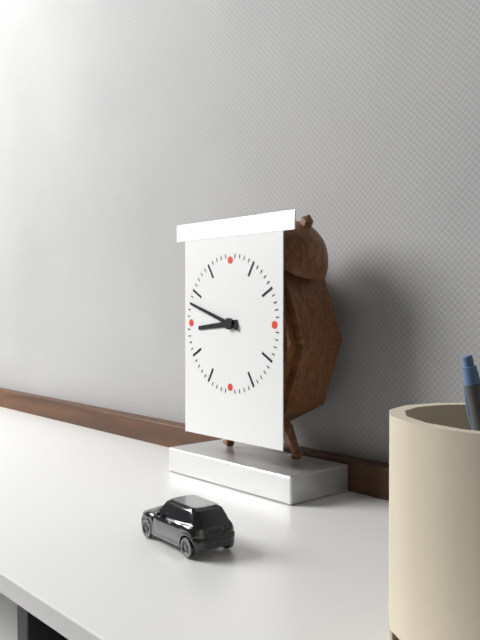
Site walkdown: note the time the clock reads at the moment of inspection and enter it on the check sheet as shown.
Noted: 8:48
